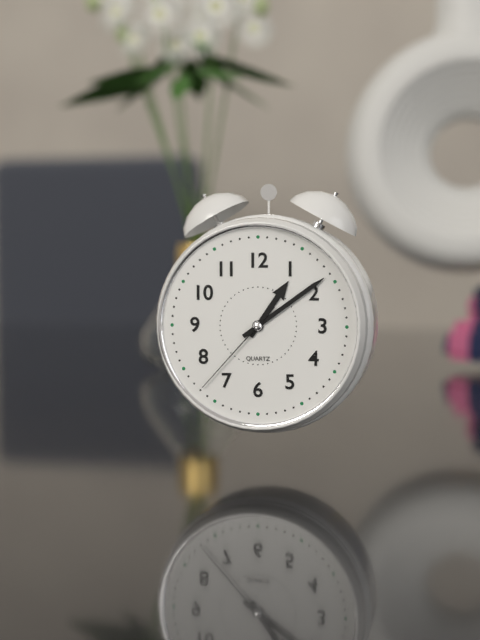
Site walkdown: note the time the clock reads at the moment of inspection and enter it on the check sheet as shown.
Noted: 1:09:37
